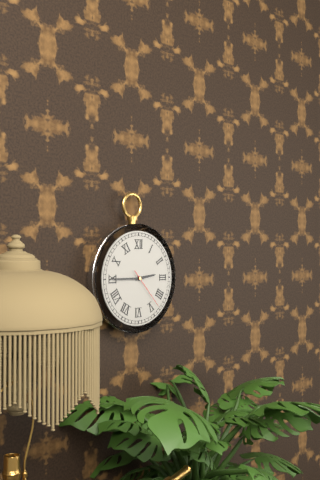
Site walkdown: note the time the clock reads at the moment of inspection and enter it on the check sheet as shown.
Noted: 2:45
